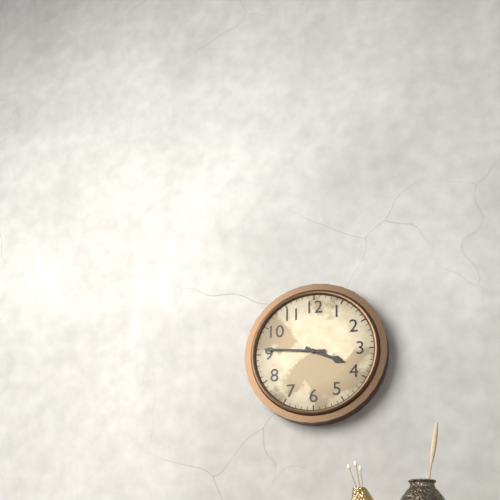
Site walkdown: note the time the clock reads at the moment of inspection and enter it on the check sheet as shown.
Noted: 3:46
